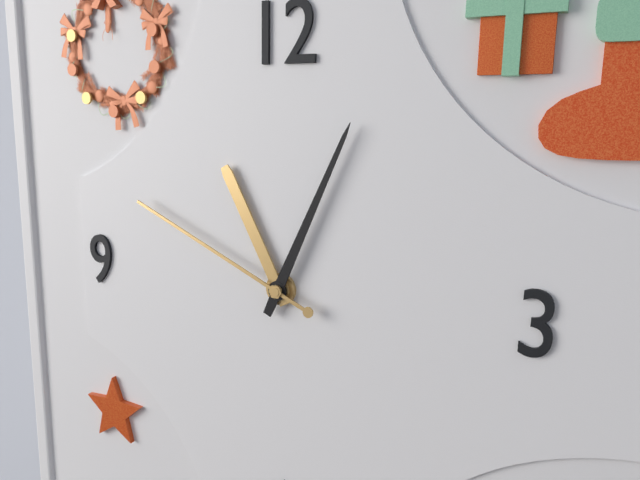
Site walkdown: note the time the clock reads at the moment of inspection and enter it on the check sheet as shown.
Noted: 11:04:49
